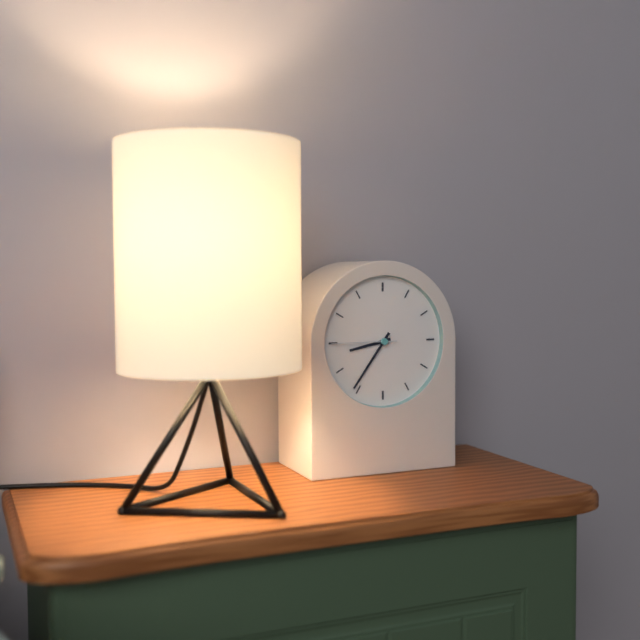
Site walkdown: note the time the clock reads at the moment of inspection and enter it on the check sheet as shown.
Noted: 8:36:45
